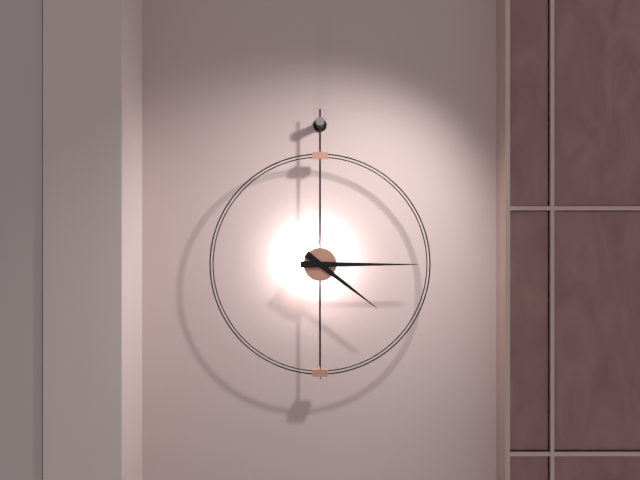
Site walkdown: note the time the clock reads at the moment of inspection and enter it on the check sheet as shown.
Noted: 4:15
